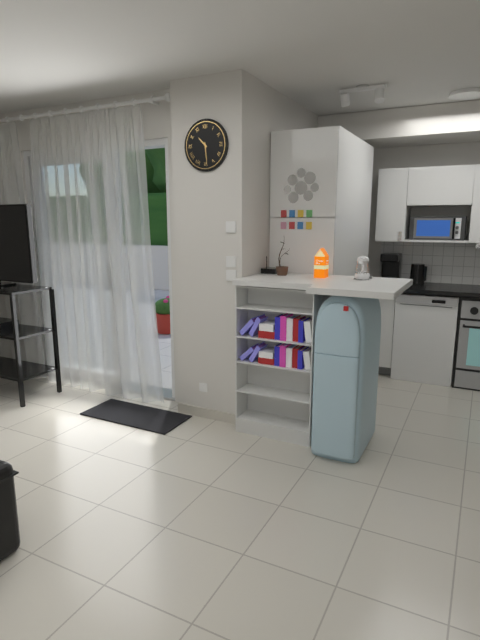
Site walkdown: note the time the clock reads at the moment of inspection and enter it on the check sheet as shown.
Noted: 10:29
